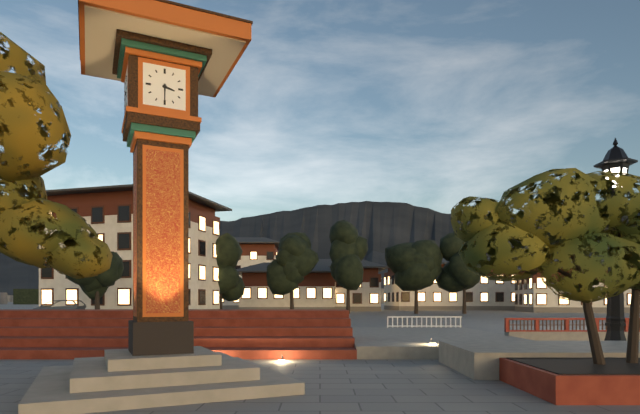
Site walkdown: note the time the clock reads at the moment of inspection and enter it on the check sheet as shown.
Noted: 3:30
